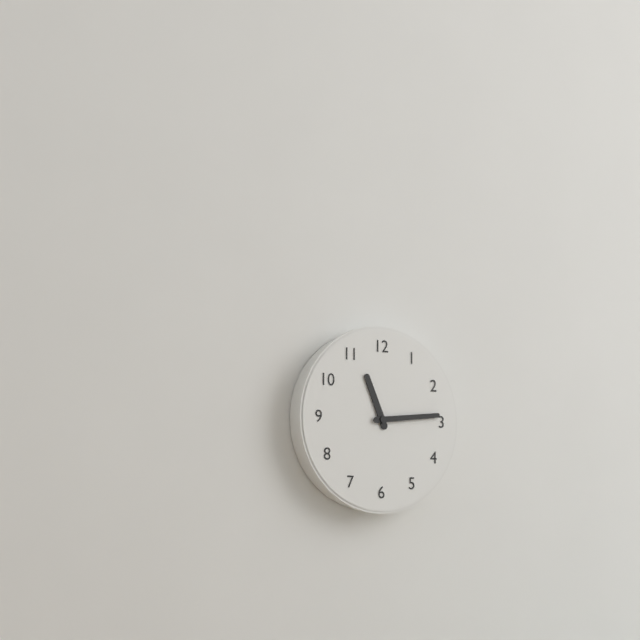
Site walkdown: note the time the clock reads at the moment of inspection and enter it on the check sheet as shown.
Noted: 11:14
